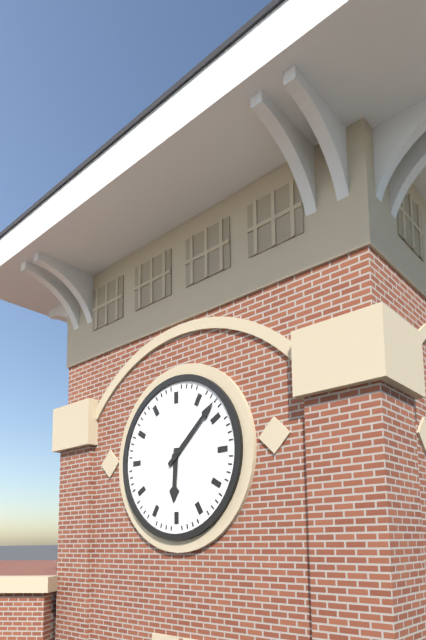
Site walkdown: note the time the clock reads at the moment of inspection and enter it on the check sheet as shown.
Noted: 6:08
